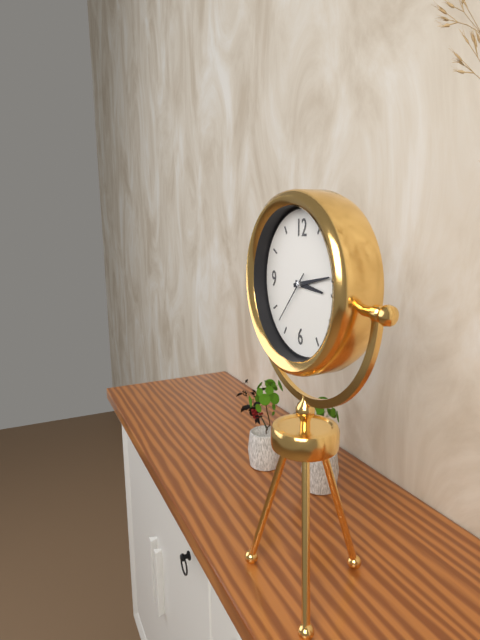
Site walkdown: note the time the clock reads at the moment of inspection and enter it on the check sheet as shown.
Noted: 3:13:37
